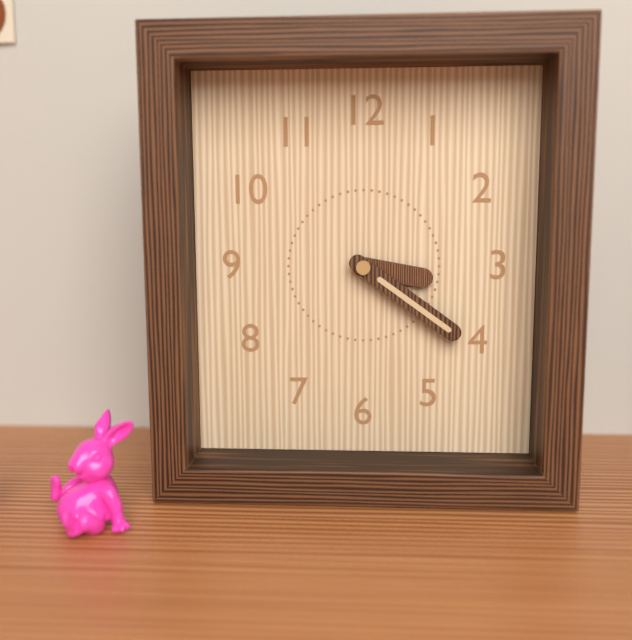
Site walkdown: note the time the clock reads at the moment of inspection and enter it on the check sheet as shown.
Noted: 3:21
